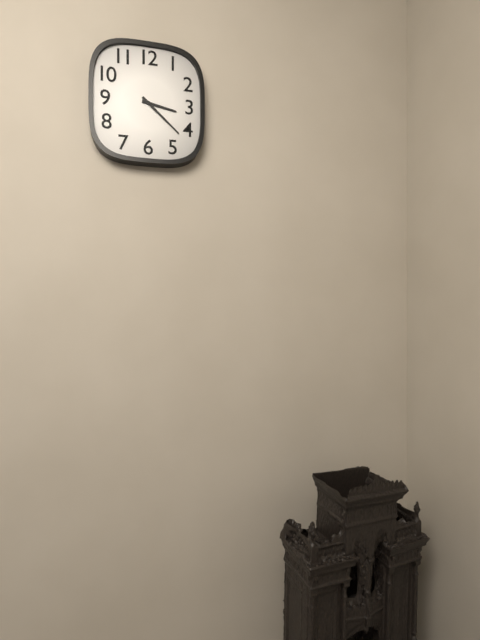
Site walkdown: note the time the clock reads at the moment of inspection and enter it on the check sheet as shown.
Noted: 3:22
